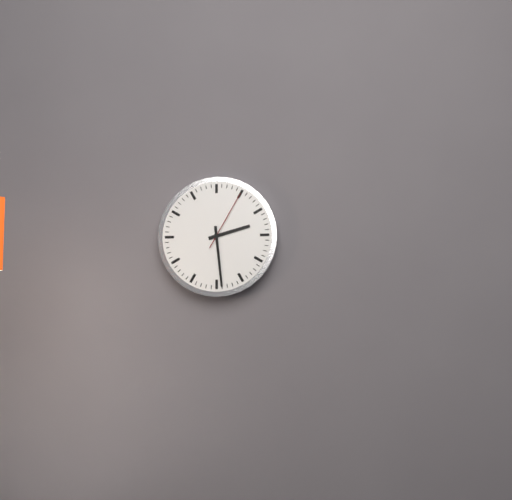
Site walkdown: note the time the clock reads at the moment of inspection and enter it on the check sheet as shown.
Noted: 2:29:05
